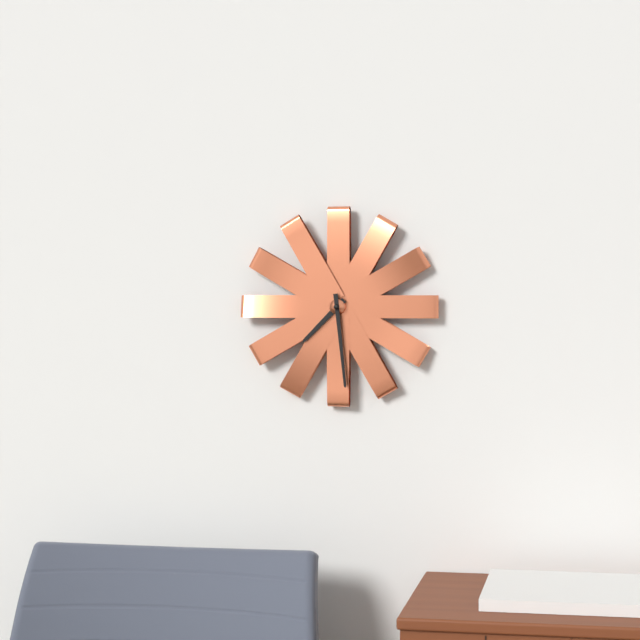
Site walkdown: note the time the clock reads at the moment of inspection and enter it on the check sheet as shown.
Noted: 7:29
